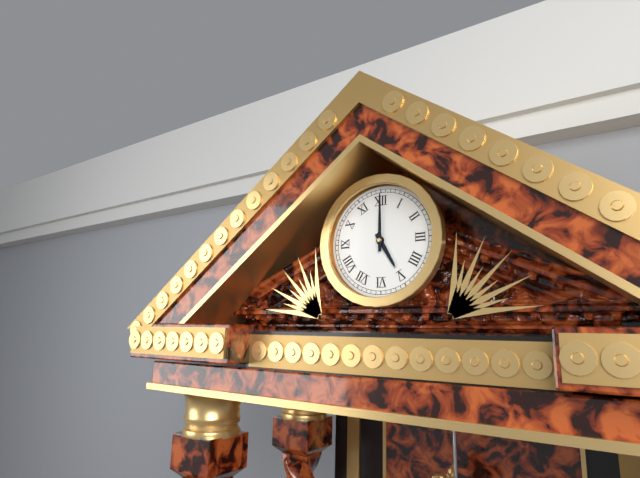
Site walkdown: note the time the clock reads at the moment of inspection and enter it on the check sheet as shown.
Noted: 5:00
